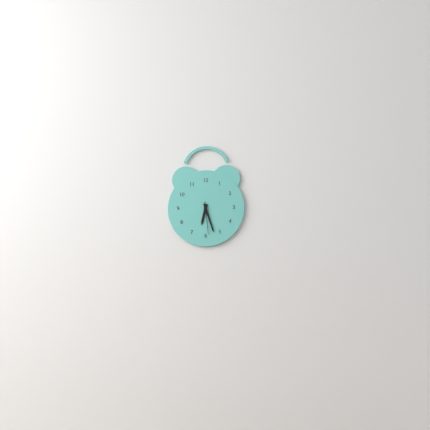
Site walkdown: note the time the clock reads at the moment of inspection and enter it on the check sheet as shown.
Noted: 6:27
